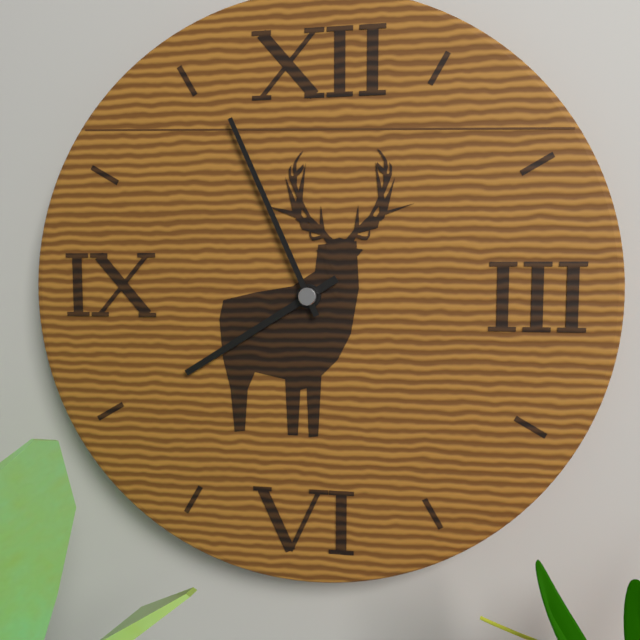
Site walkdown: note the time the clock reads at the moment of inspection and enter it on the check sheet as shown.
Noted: 7:56
